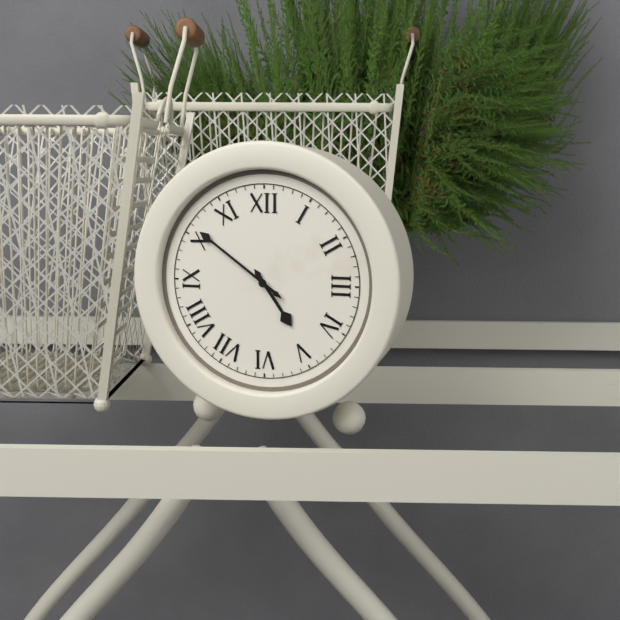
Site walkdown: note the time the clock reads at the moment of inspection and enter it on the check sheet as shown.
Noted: 4:51
